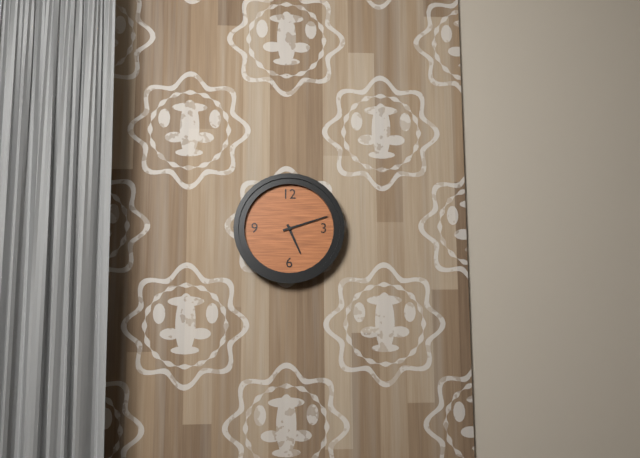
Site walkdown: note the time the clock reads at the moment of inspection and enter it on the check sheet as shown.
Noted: 5:12
